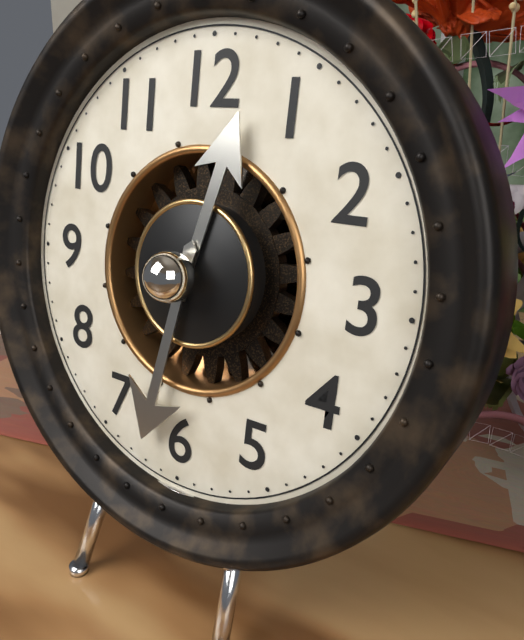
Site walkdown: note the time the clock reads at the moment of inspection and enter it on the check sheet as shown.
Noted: 12:32
